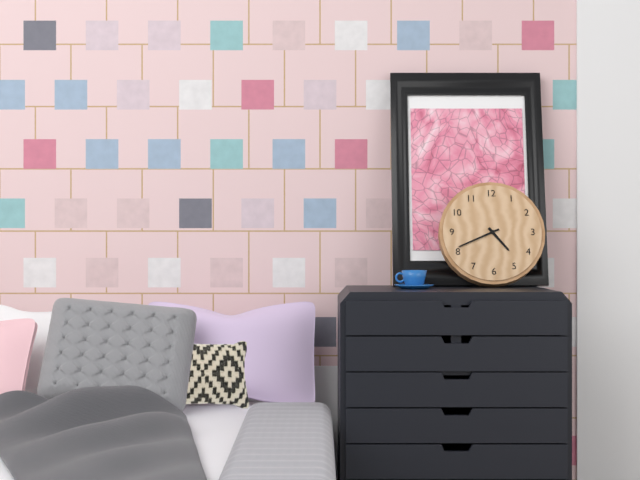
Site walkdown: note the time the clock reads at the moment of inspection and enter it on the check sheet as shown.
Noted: 4:41
